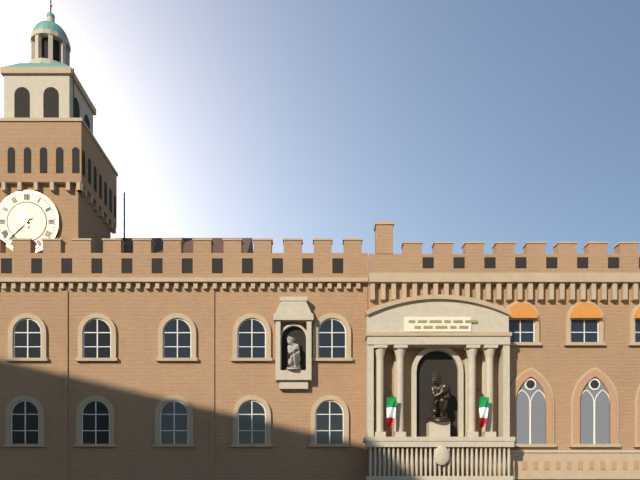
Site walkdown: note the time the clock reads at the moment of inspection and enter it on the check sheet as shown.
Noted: 11:38
